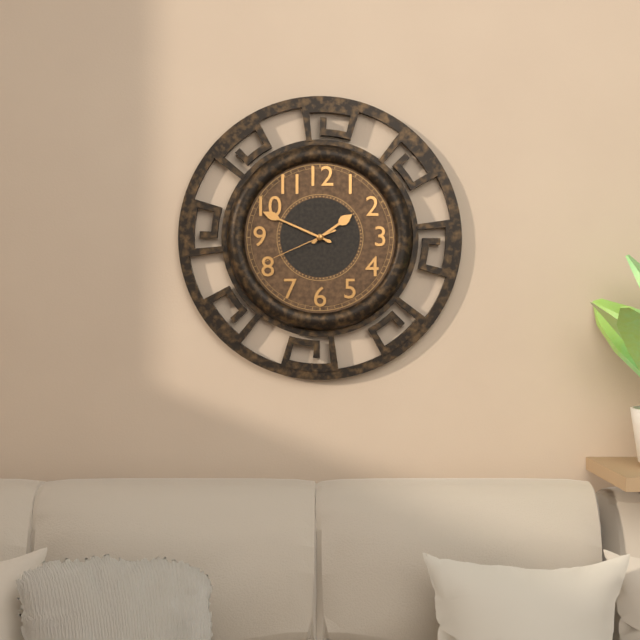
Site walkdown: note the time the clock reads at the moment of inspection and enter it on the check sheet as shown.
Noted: 1:49:41
